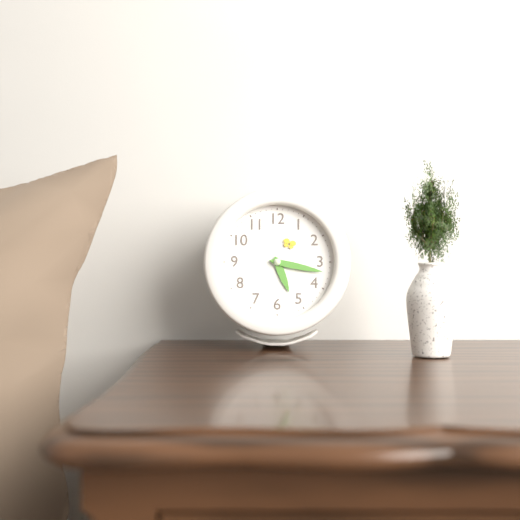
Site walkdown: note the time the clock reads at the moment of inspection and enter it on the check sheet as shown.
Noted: 5:17
